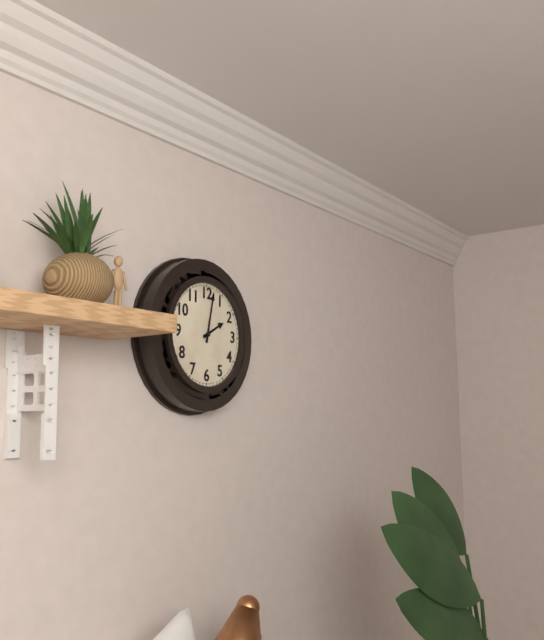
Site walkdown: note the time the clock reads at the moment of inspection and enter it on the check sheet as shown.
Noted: 2:02
